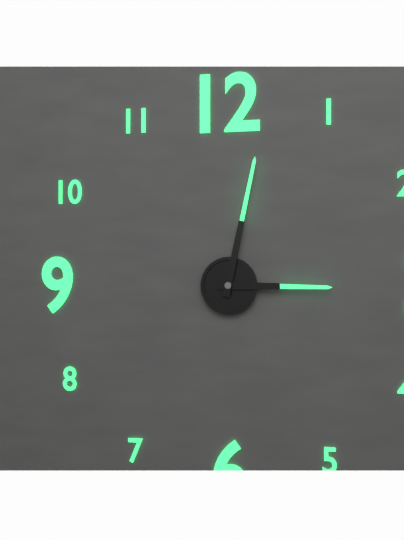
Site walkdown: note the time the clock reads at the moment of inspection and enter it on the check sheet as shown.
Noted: 3:02
